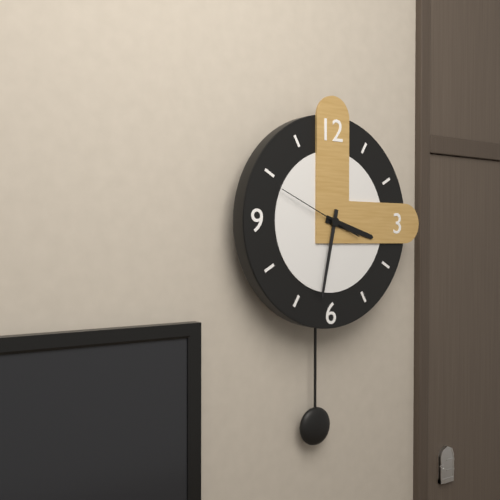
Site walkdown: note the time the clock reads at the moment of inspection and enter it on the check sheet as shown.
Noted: 3:32:49
